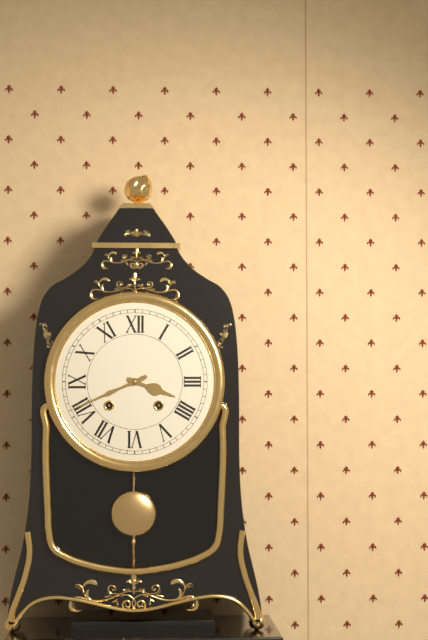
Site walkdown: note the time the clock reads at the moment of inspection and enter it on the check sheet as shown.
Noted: 3:41
